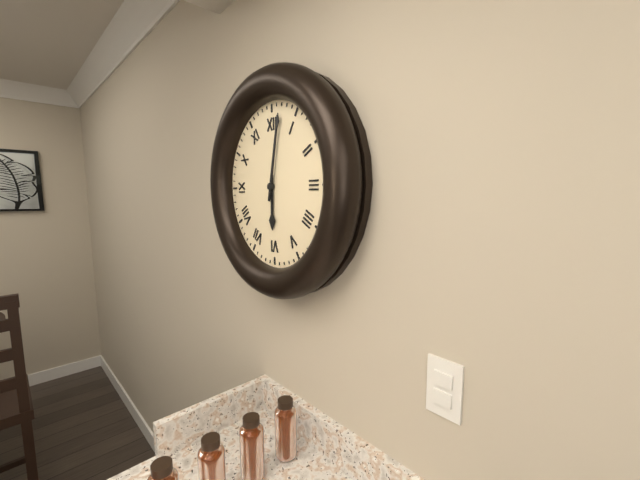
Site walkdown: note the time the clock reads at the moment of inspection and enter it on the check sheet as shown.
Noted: 6:02
